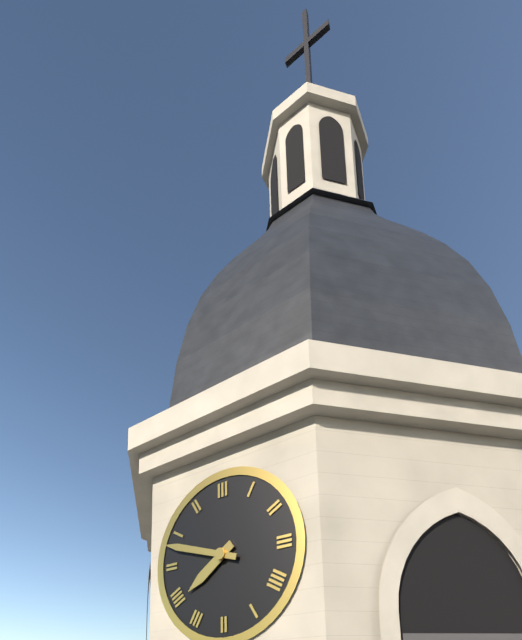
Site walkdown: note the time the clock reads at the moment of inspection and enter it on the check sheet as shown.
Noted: 7:48
